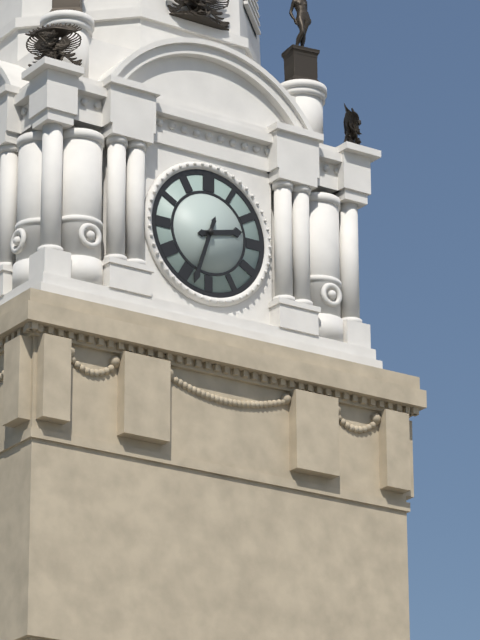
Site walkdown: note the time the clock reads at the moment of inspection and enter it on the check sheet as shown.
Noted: 2:33
